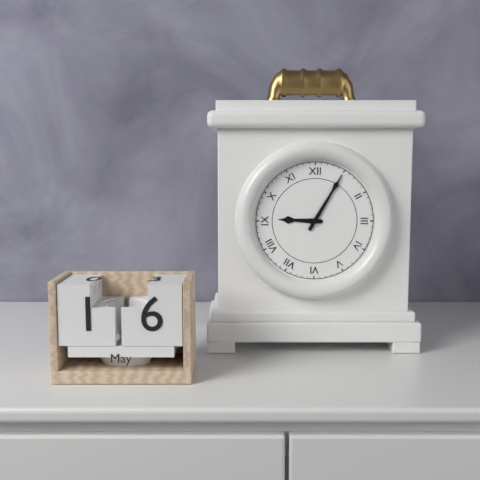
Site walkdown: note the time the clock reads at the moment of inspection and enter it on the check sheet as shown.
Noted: 9:05
